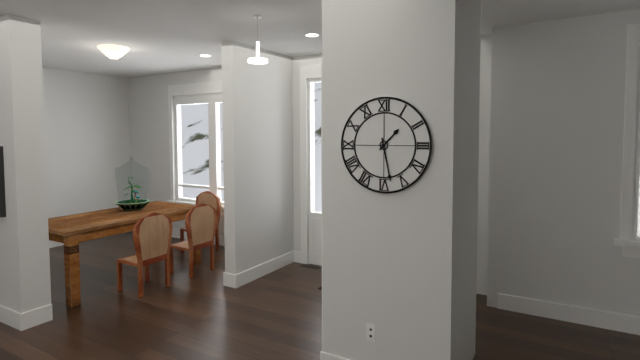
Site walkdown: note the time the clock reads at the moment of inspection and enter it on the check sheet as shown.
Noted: 1:28
